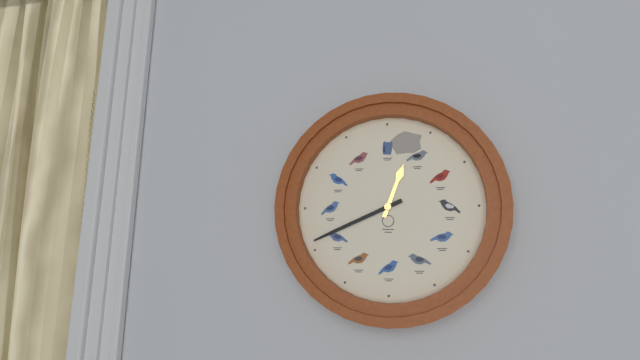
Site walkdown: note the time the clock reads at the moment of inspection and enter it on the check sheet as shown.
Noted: 12:41
